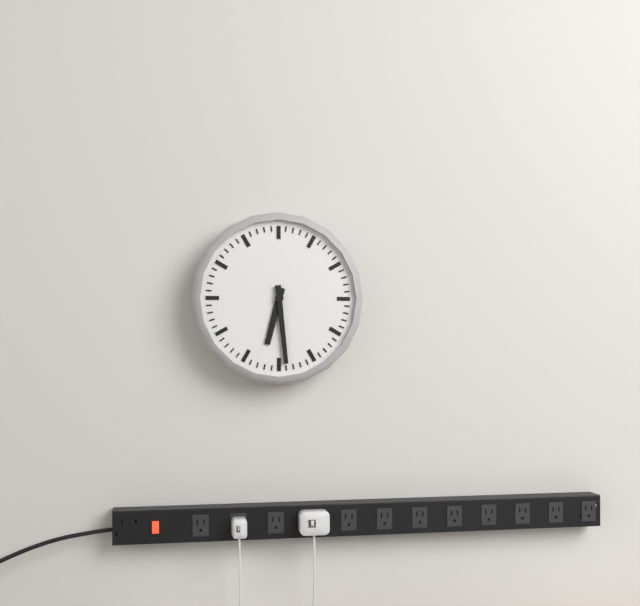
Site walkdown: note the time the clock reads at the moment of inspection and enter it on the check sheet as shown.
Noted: 6:29
